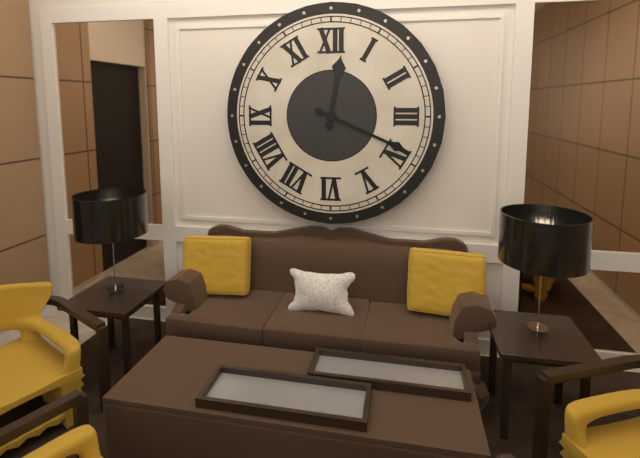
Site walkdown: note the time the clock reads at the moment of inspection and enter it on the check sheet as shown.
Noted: 12:19
